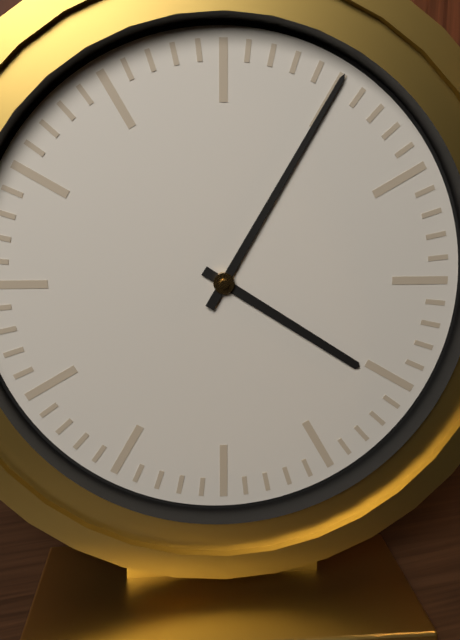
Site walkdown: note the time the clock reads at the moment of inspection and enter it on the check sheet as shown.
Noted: 4:05
